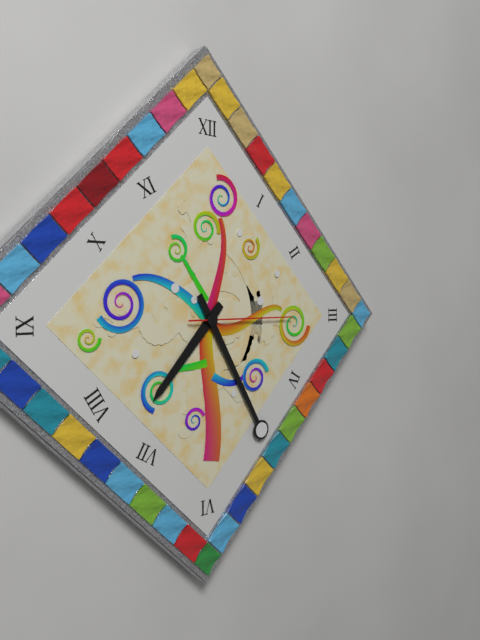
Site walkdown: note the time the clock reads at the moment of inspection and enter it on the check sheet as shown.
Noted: 7:25:15
